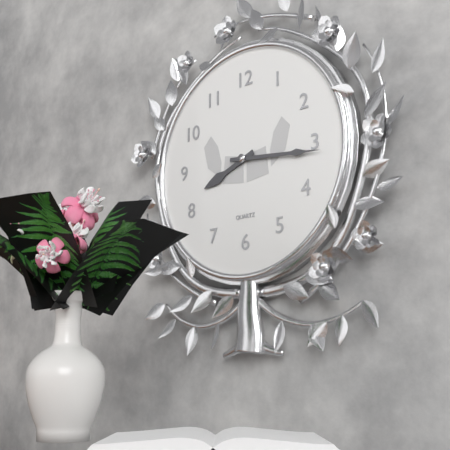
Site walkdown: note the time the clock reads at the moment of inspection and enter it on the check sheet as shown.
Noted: 8:16
